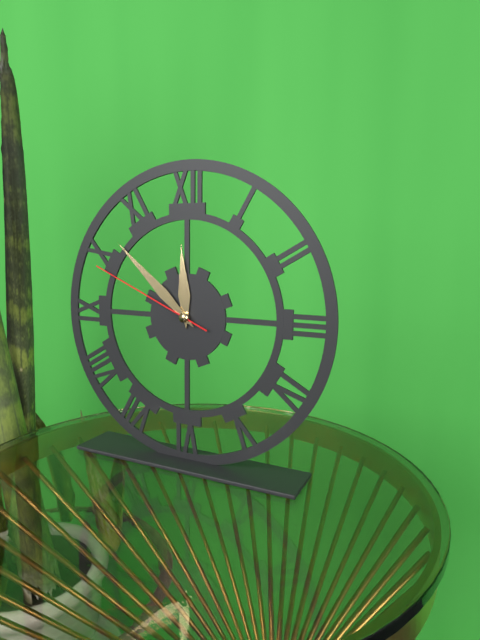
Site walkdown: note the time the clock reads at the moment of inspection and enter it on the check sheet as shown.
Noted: 11:52:49
